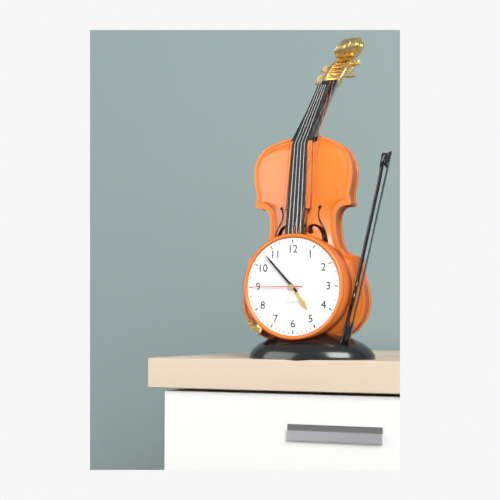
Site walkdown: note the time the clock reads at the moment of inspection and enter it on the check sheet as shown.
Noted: 4:53:45
